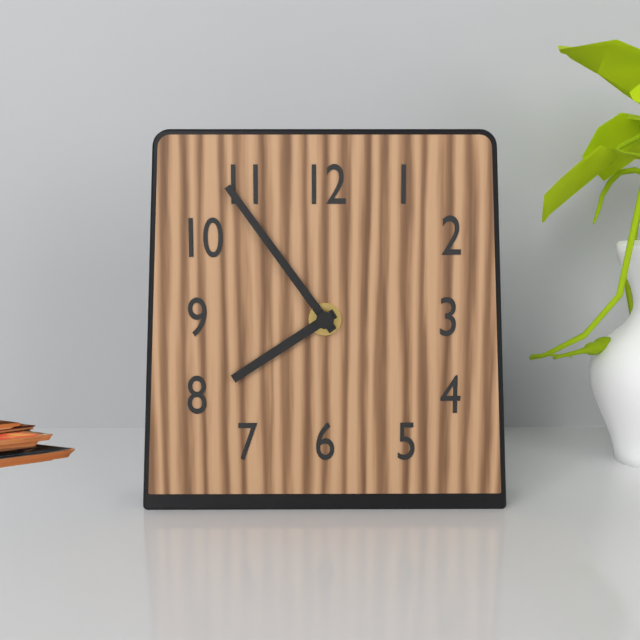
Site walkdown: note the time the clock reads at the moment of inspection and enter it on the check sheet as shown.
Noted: 7:54
